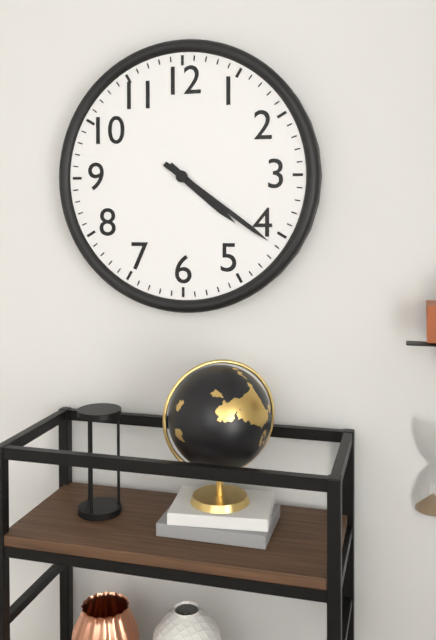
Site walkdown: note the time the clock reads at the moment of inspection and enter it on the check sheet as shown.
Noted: 4:21
